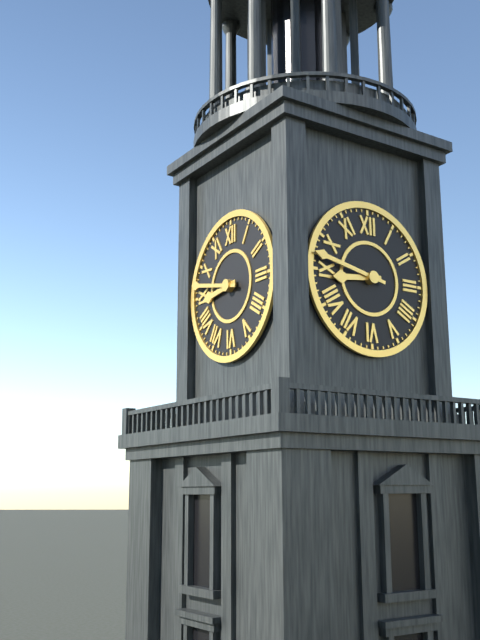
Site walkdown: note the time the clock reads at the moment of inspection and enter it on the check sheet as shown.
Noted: 8:47
